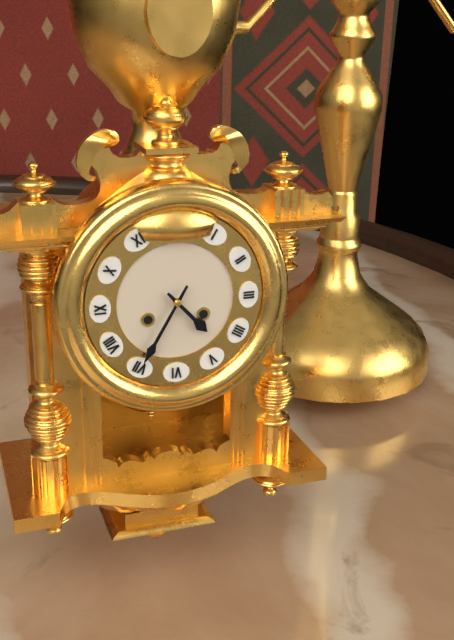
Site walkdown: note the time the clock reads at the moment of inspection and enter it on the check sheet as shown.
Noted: 4:35
